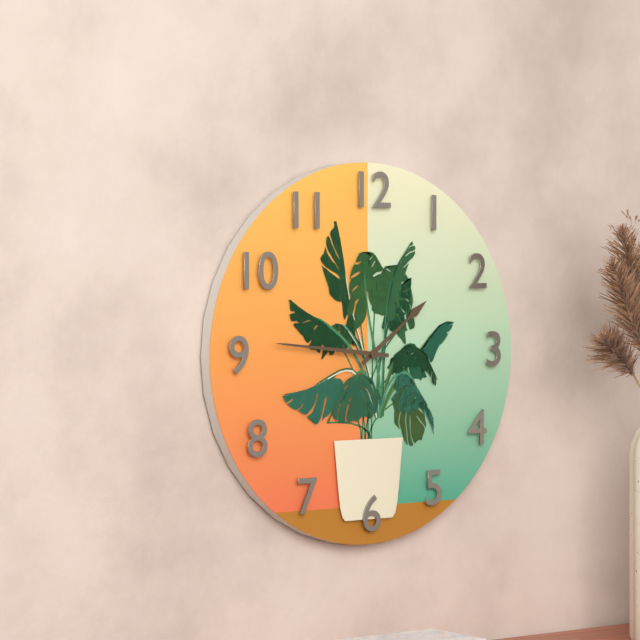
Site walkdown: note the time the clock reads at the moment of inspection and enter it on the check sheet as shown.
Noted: 1:46
